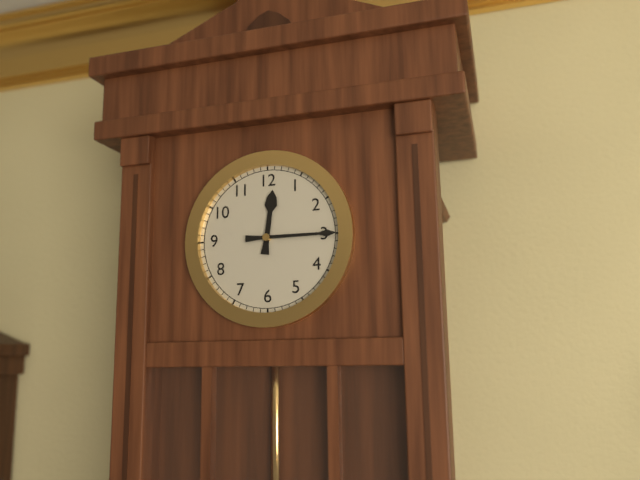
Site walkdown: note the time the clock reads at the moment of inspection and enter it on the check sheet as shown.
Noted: 12:15
